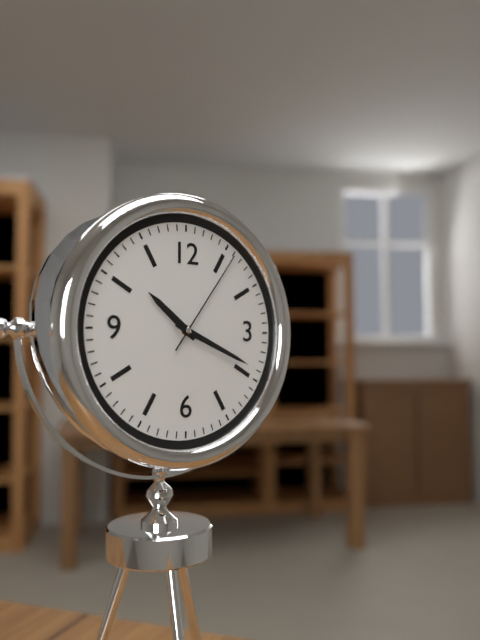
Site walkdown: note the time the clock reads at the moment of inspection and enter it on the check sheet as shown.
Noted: 10:19:06
